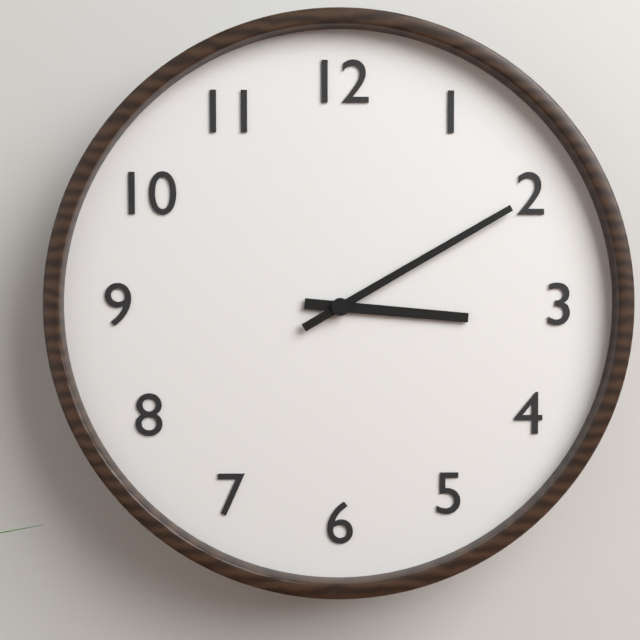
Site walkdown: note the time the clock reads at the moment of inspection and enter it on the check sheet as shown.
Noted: 3:10
